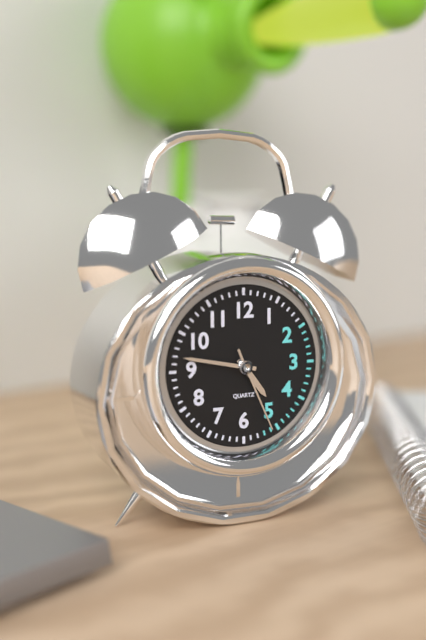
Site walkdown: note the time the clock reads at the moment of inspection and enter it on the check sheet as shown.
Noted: 4:47:26
